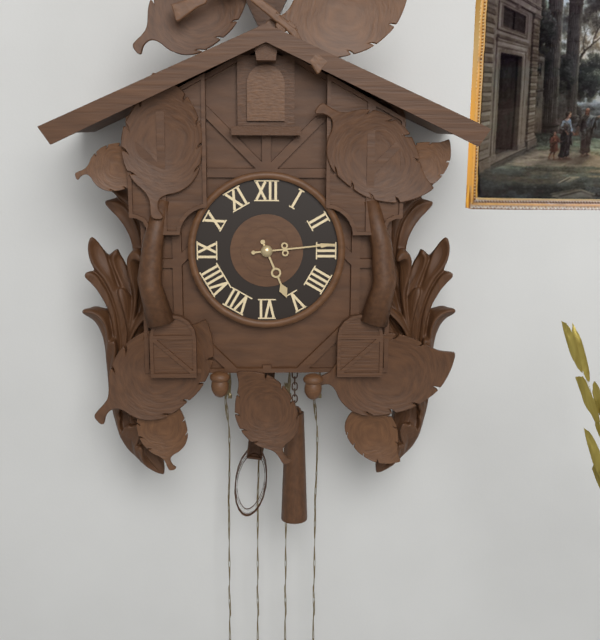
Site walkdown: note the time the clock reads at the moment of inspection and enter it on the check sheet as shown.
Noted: 5:14
